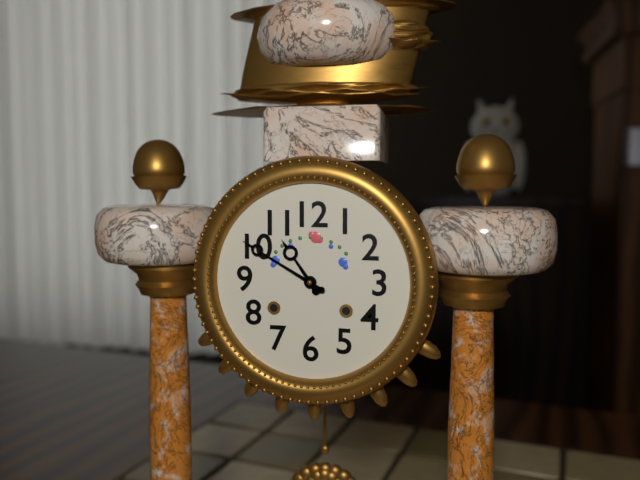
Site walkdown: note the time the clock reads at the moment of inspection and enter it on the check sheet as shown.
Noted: 10:50
